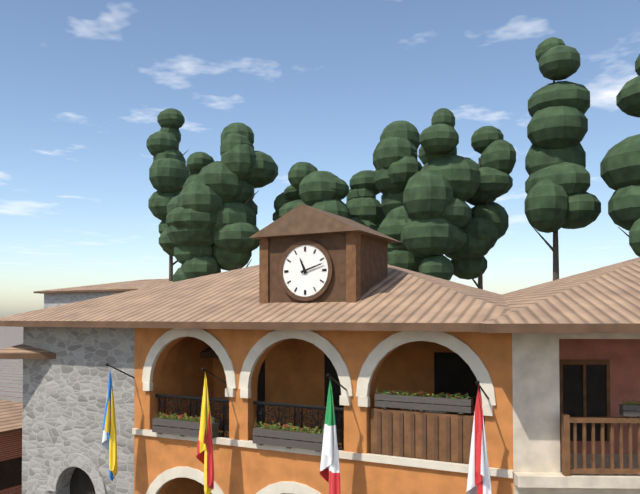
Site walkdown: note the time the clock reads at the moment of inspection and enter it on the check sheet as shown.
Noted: 11:12
